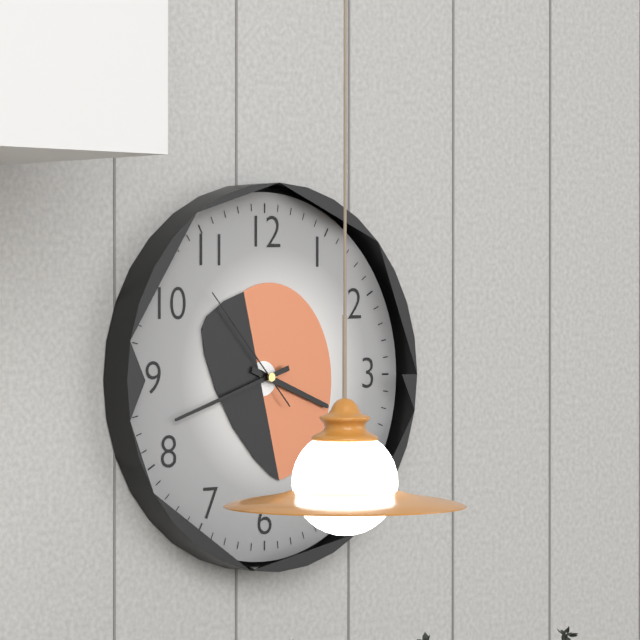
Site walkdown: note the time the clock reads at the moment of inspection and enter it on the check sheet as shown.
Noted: 3:42:53
